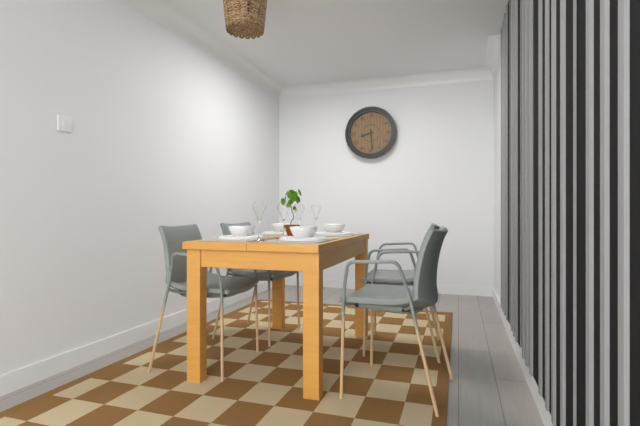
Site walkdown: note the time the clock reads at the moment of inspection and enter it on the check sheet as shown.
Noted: 8:29
